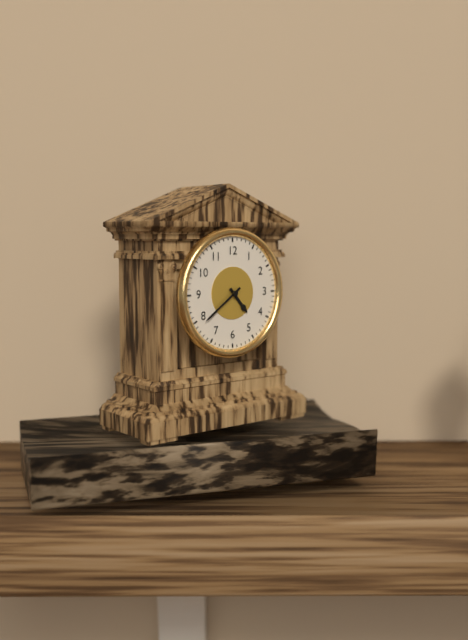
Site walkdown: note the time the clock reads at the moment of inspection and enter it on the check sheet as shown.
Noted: 4:39
